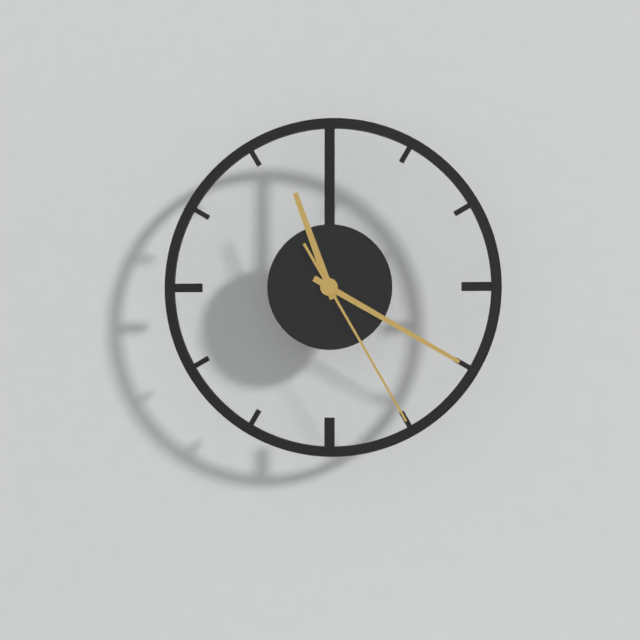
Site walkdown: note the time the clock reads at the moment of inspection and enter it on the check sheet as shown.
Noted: 11:20:25
